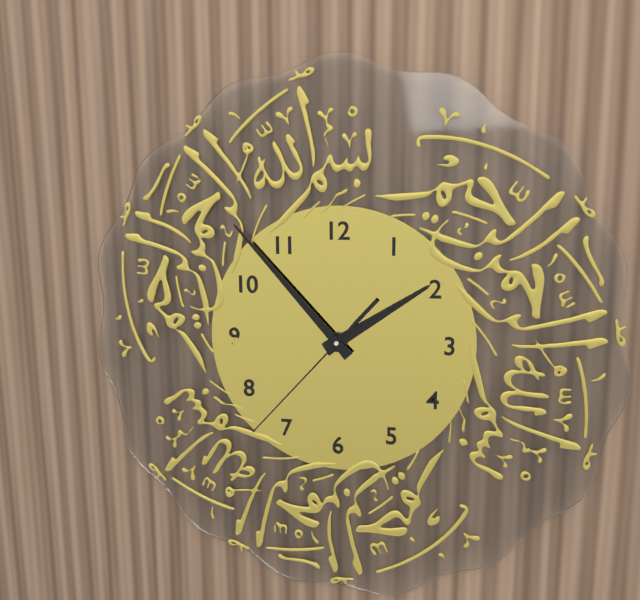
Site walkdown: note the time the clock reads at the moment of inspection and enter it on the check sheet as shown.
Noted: 1:53:37
